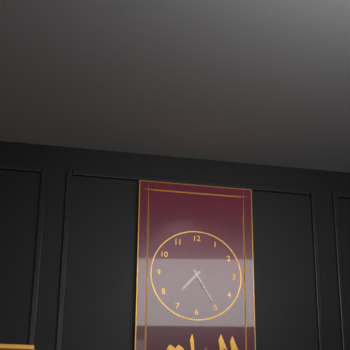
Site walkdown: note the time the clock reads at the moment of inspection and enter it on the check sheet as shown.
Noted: 7:25
